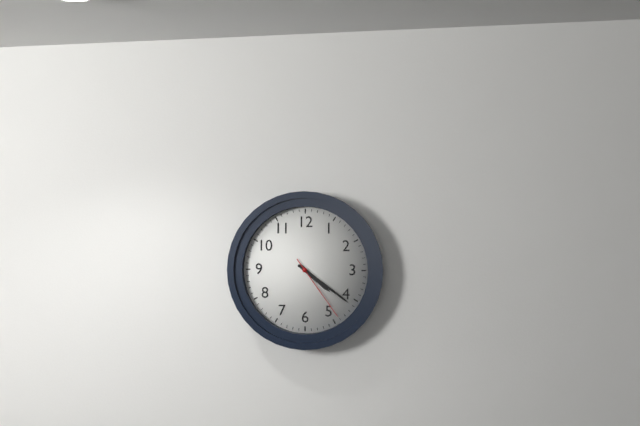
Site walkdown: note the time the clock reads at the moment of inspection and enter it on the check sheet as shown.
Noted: 4:21:24
